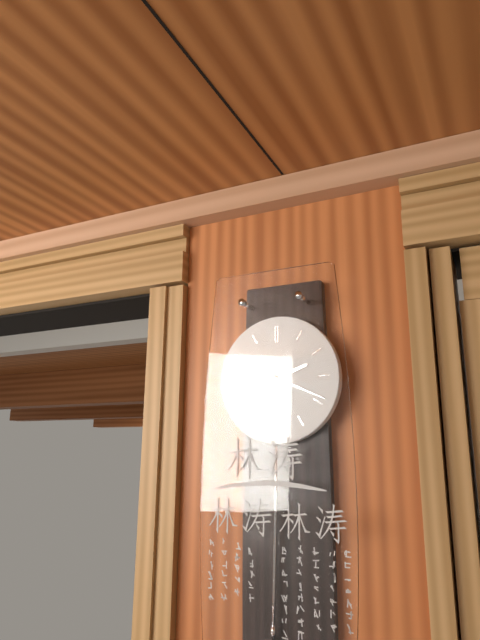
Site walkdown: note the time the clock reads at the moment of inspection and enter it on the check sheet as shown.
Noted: 2:19
